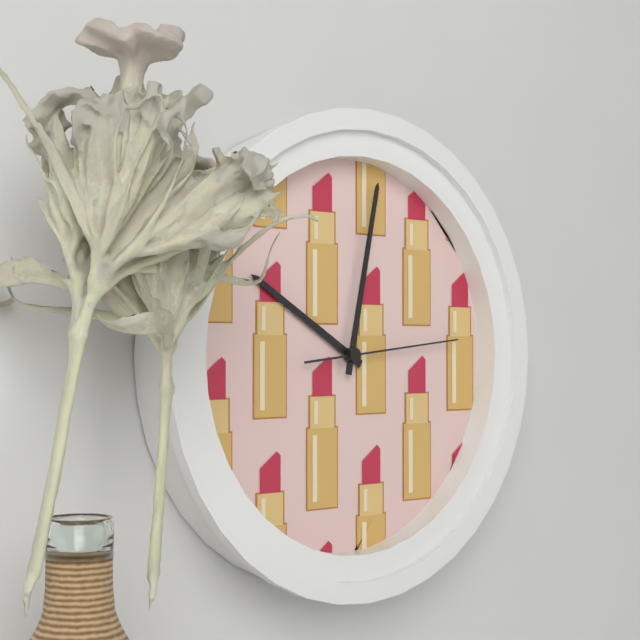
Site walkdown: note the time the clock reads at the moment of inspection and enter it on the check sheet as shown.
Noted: 10:02:14
